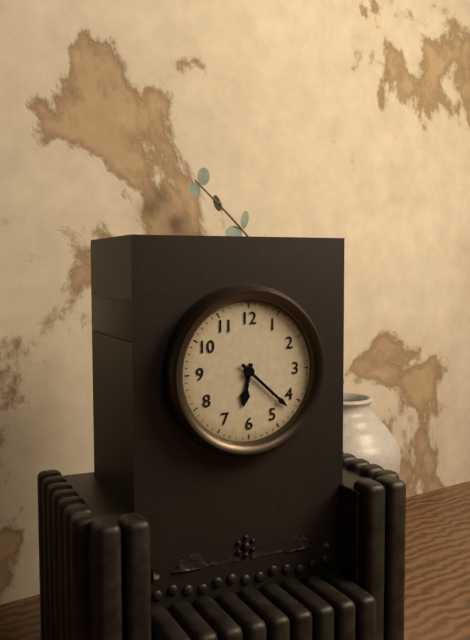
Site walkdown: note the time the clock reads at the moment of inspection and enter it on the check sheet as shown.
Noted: 6:22
